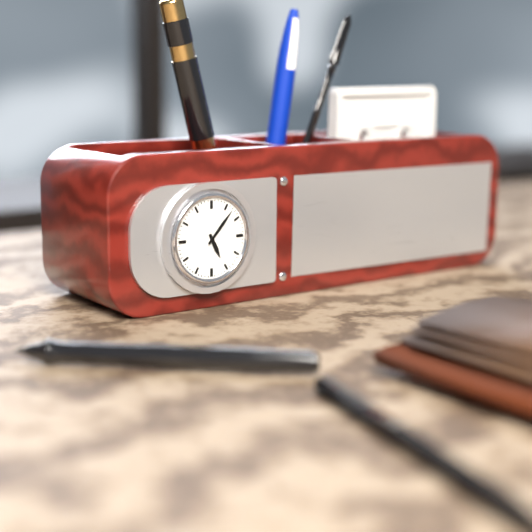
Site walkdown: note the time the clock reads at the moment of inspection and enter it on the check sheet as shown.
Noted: 5:07
